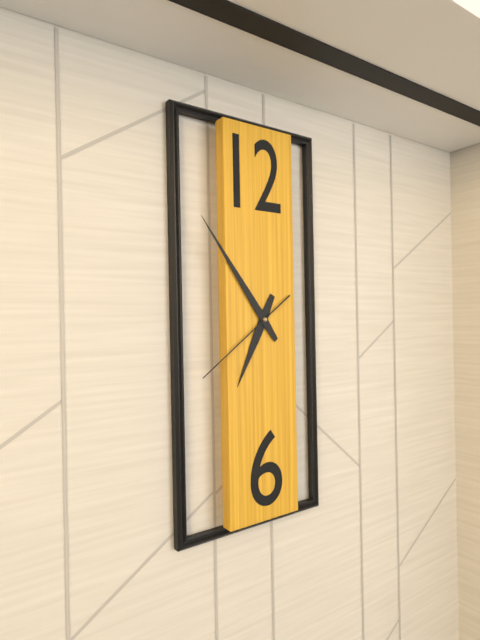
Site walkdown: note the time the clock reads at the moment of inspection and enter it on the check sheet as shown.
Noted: 6:54:39
